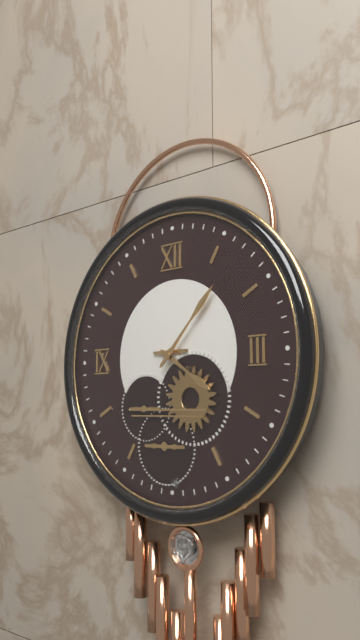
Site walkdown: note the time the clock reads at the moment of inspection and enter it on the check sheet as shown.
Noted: 4:07
